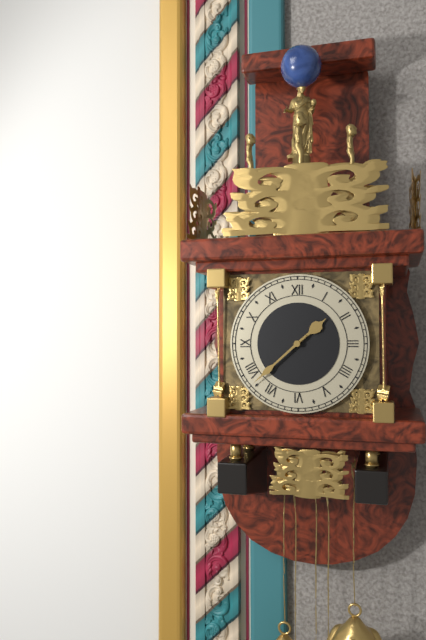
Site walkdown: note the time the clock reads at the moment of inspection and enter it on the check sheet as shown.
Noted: 1:38
